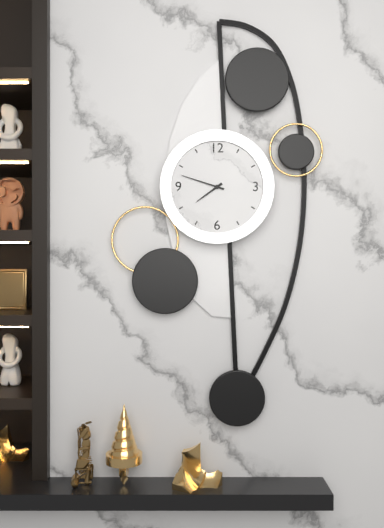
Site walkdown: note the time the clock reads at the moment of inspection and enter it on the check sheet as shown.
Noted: 7:48
